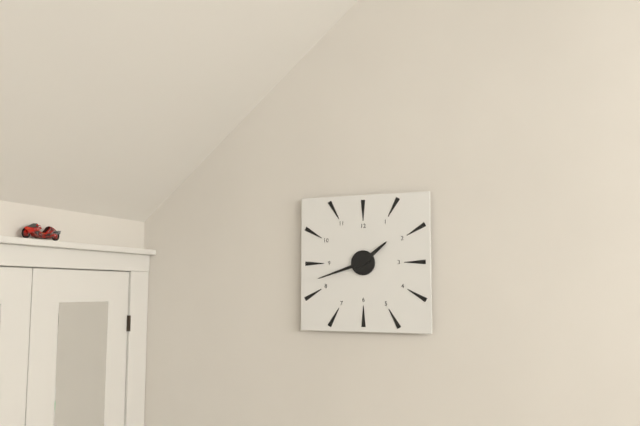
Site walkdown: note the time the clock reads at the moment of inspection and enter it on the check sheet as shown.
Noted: 1:42
